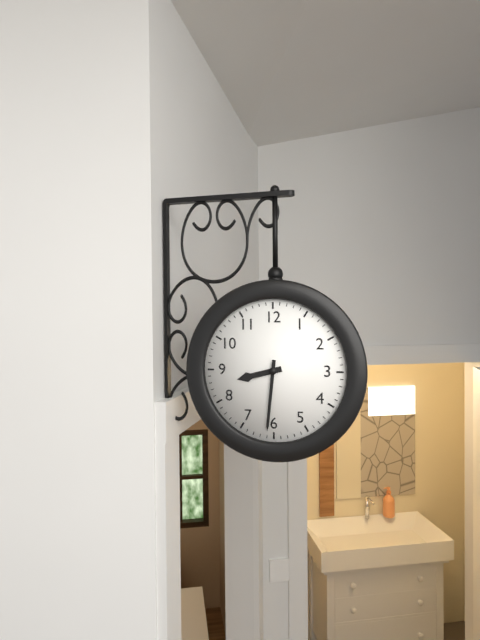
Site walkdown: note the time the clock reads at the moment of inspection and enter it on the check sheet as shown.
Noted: 8:31
